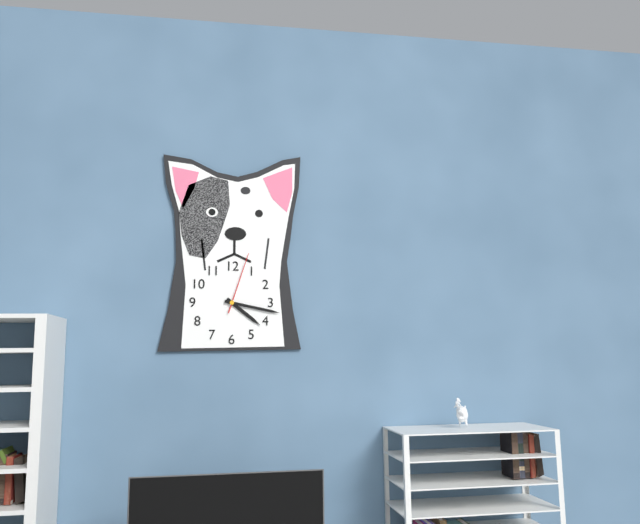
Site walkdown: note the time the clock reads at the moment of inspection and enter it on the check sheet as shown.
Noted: 4:17:03
